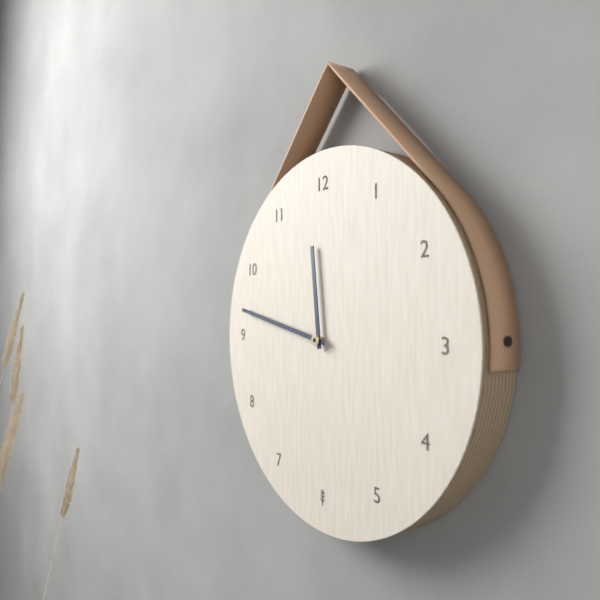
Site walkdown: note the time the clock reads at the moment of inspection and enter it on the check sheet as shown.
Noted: 11:47
